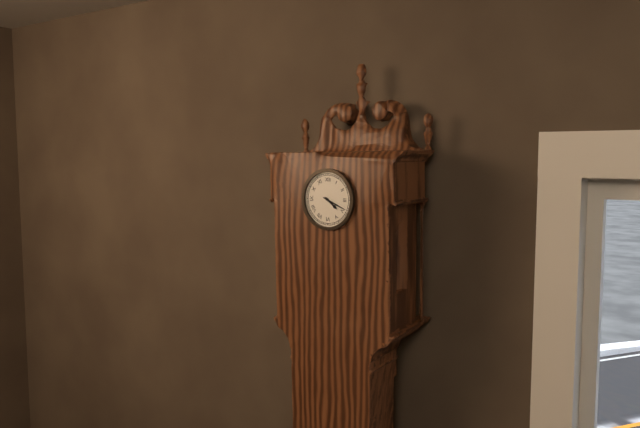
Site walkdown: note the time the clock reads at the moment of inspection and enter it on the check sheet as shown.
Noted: 4:19
